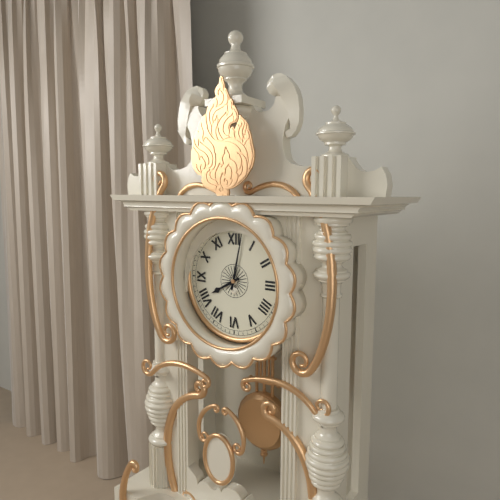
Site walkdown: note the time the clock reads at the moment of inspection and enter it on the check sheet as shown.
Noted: 8:02
